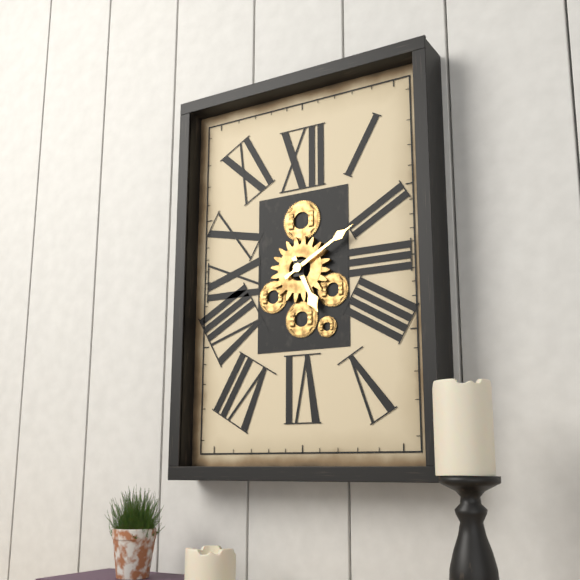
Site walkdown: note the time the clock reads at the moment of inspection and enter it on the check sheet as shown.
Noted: 5:10
